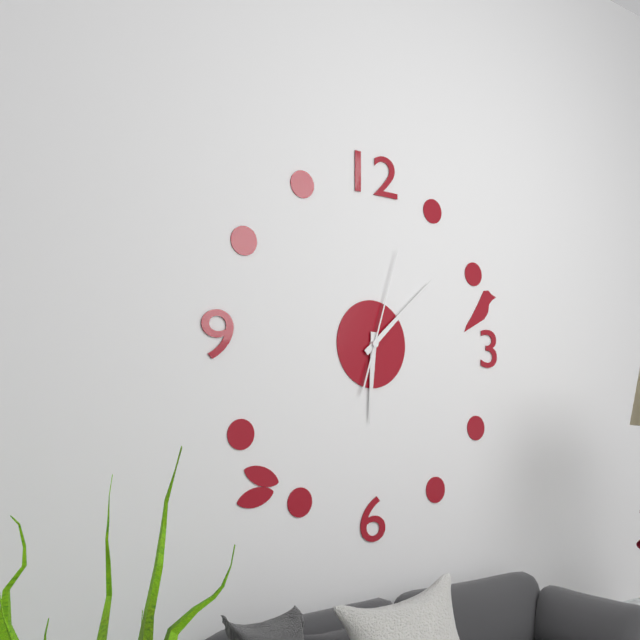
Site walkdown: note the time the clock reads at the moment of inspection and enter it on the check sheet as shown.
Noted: 6:08:03
